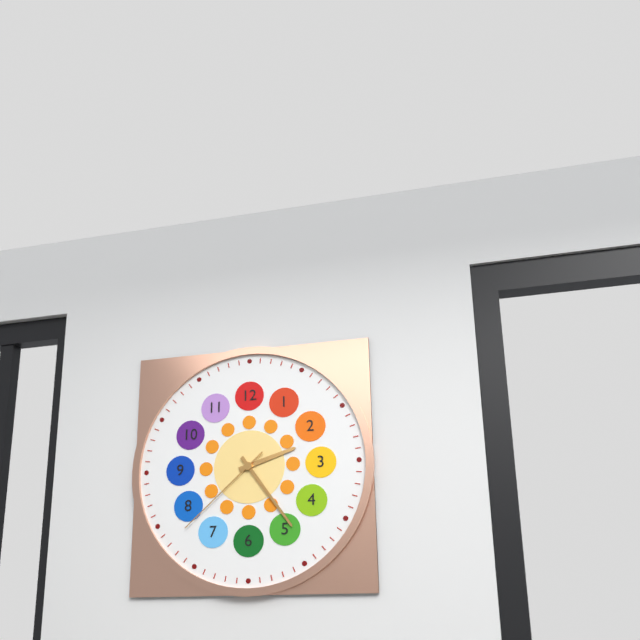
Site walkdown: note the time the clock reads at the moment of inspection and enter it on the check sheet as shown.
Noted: 2:24:38
